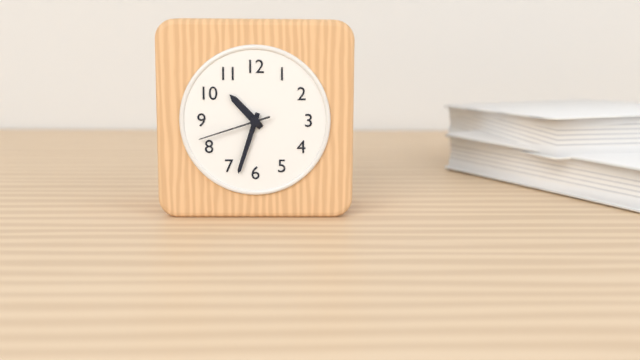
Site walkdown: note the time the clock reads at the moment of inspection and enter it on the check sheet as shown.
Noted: 10:33:42
